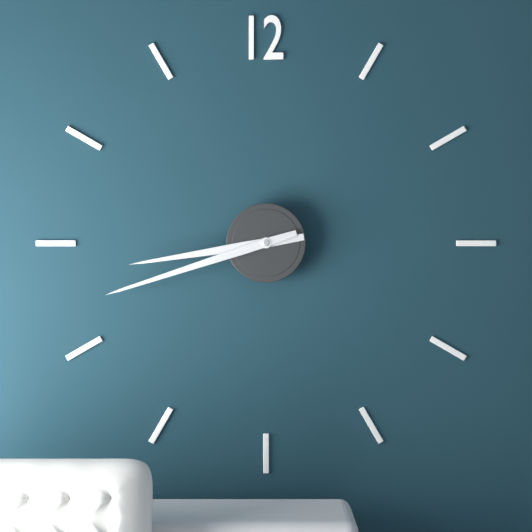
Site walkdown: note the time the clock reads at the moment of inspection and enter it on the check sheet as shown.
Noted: 8:42
